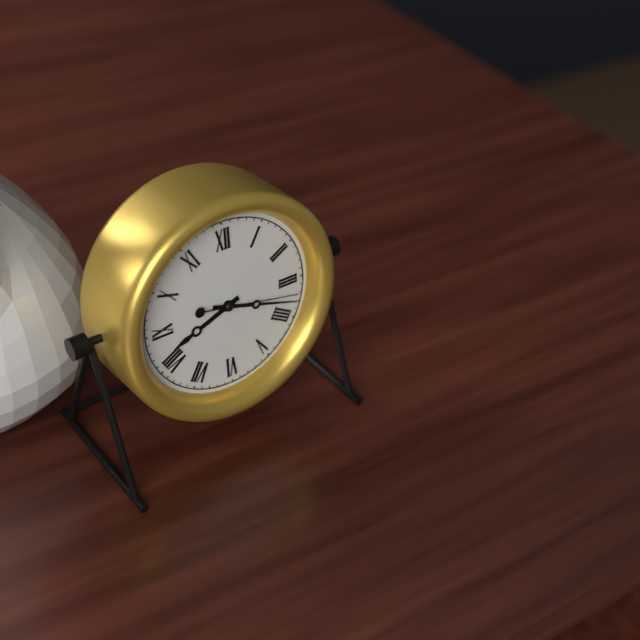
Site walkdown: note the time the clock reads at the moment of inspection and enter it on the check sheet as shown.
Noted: 8:18:17
